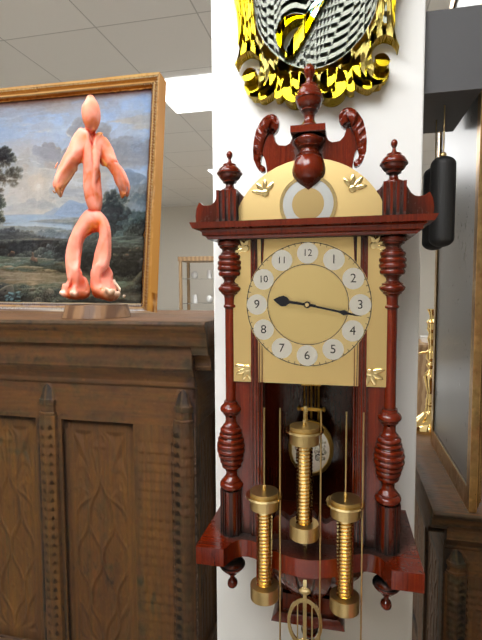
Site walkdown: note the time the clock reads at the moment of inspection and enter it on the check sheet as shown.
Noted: 9:17
